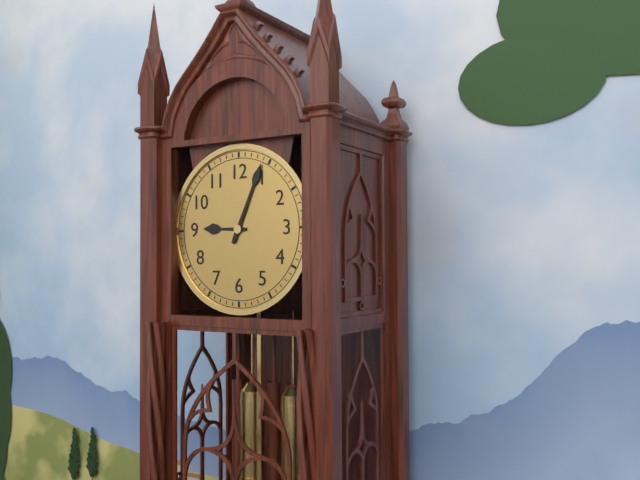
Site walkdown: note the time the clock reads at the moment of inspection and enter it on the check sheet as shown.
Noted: 9:04
